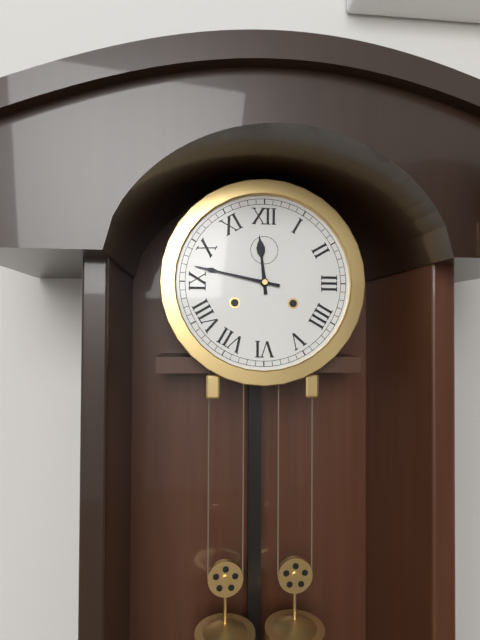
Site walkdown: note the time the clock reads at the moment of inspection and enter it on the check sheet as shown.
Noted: 11:47
